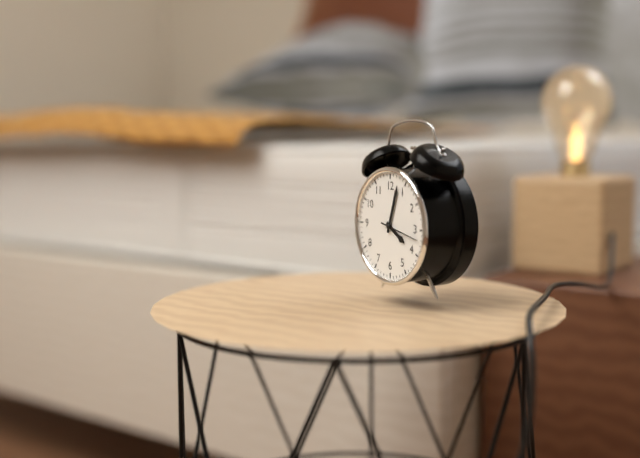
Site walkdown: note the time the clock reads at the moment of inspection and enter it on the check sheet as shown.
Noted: 4:03
